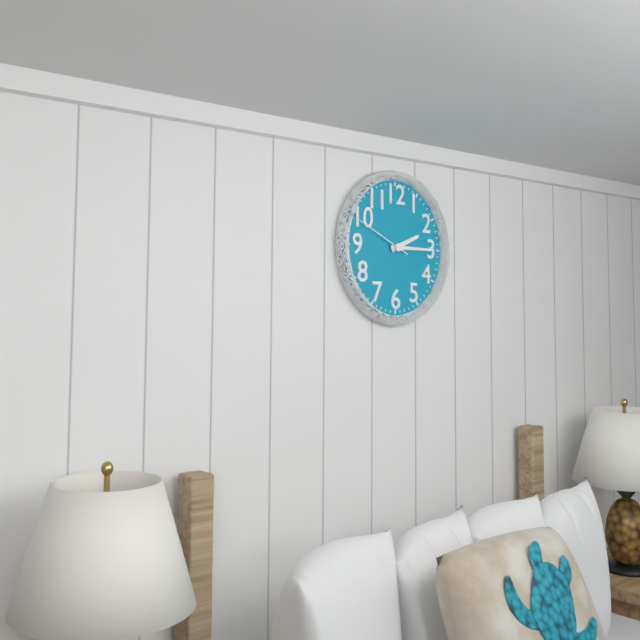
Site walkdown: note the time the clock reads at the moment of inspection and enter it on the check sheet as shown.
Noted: 2:15:49
